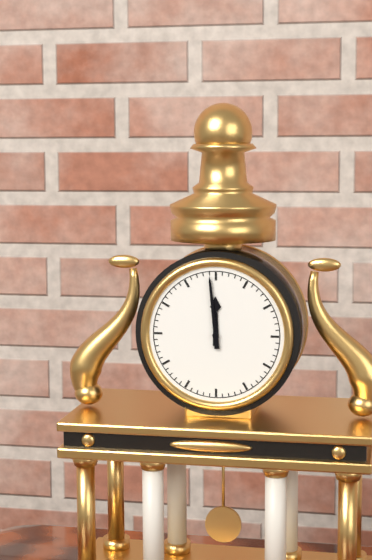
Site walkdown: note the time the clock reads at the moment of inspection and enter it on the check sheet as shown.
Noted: 11:59
